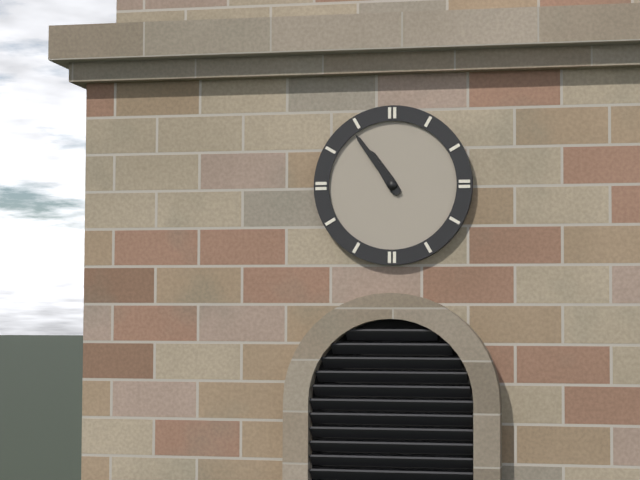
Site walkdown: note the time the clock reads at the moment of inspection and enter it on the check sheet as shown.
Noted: 10:54
